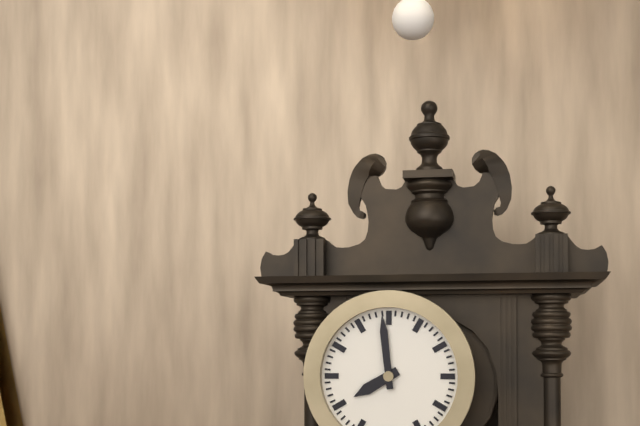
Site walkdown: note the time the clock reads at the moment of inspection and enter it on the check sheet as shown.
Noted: 7:59
